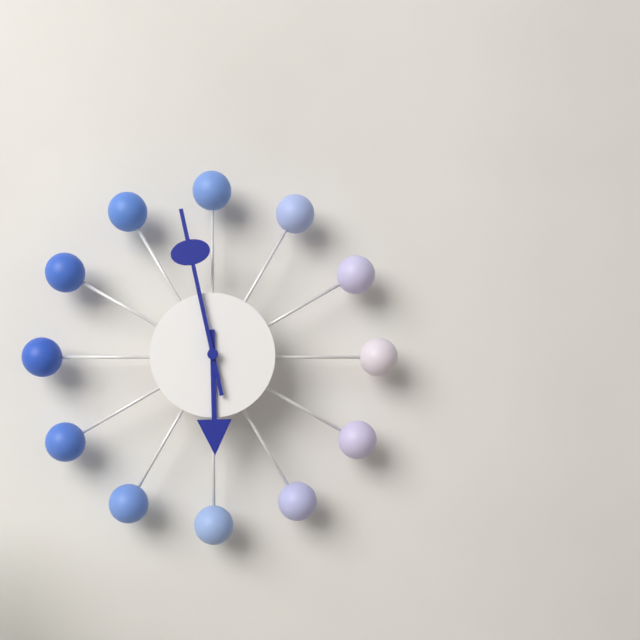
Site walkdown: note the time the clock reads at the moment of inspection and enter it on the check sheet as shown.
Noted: 5:58
